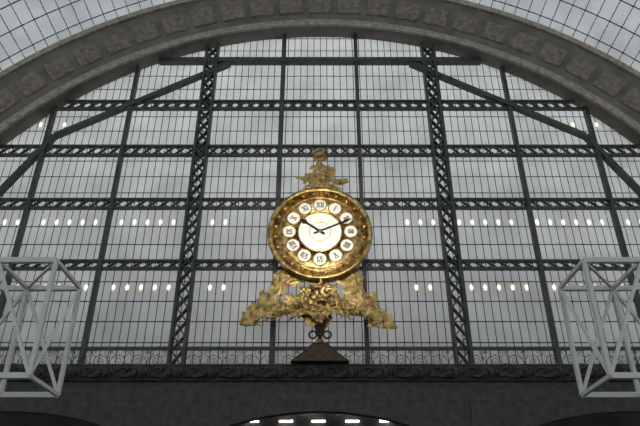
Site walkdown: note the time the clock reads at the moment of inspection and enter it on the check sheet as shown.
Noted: 10:11
